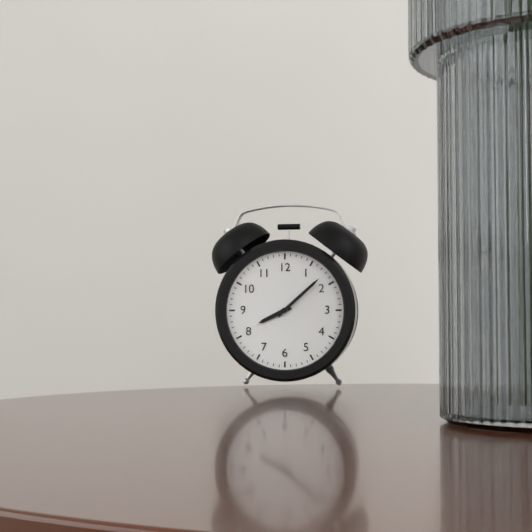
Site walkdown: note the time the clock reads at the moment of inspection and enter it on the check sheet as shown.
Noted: 8:08
